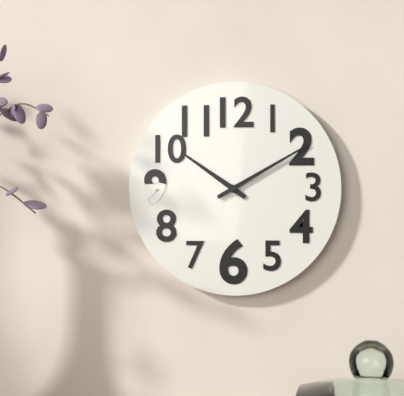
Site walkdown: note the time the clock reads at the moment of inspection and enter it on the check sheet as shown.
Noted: 10:10
